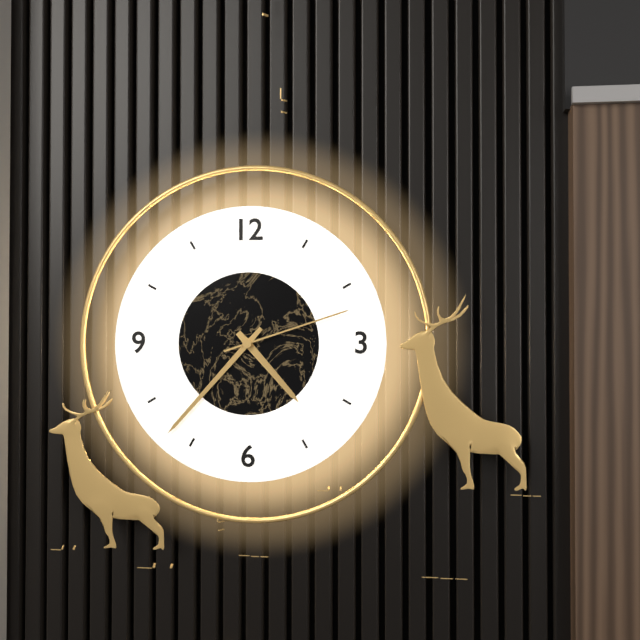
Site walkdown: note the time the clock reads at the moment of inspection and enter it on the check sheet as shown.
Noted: 4:37:12
